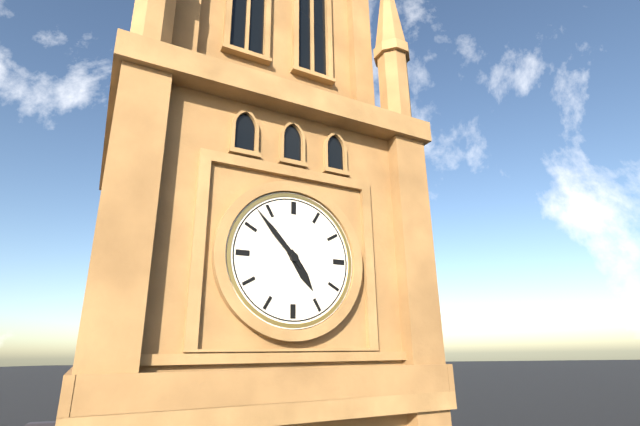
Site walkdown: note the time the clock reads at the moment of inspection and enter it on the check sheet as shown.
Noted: 4:53
